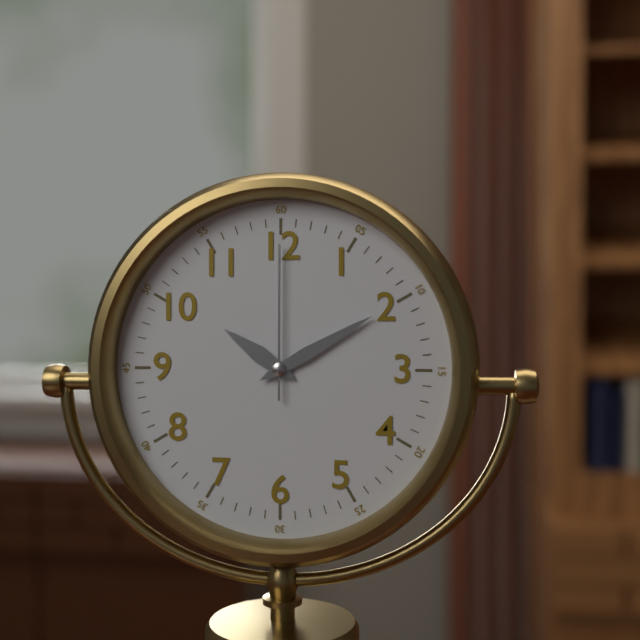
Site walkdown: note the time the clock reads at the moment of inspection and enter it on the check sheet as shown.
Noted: 10:10:00
